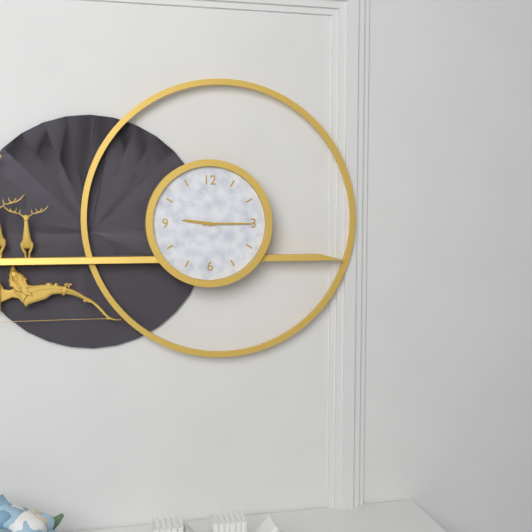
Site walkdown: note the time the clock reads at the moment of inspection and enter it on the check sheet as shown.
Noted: 9:15
